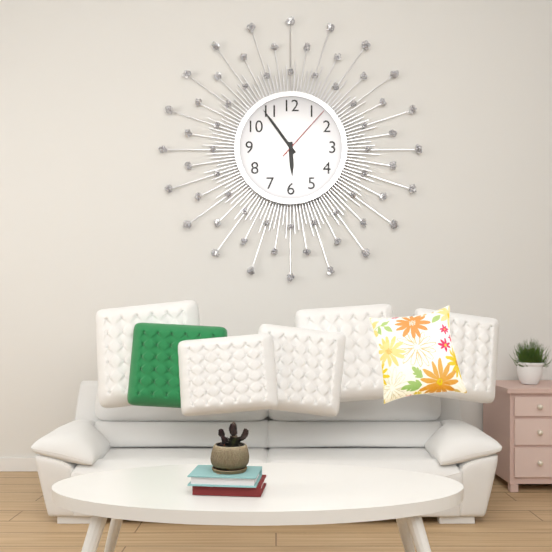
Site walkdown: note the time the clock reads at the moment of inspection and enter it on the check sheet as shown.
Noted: 5:54:07
